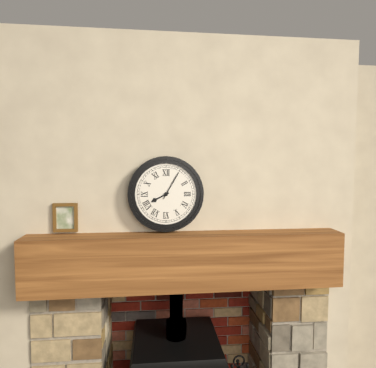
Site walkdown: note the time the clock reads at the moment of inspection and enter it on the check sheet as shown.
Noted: 8:05
